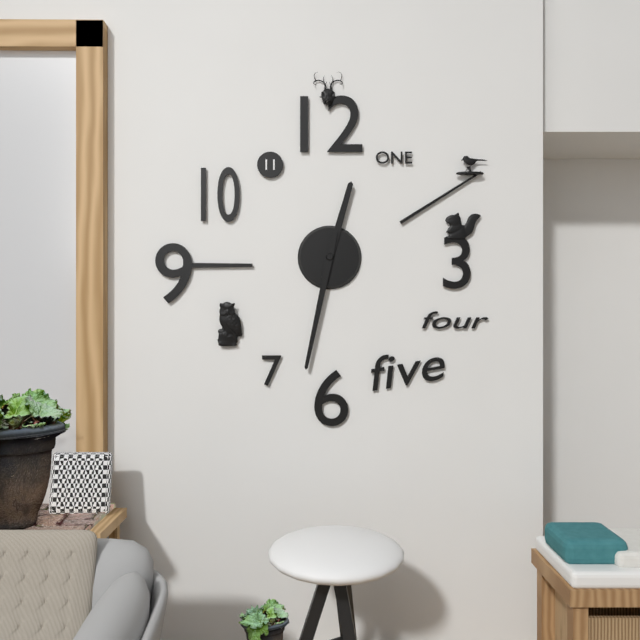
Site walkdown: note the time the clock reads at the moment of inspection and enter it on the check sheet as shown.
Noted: 12:32
